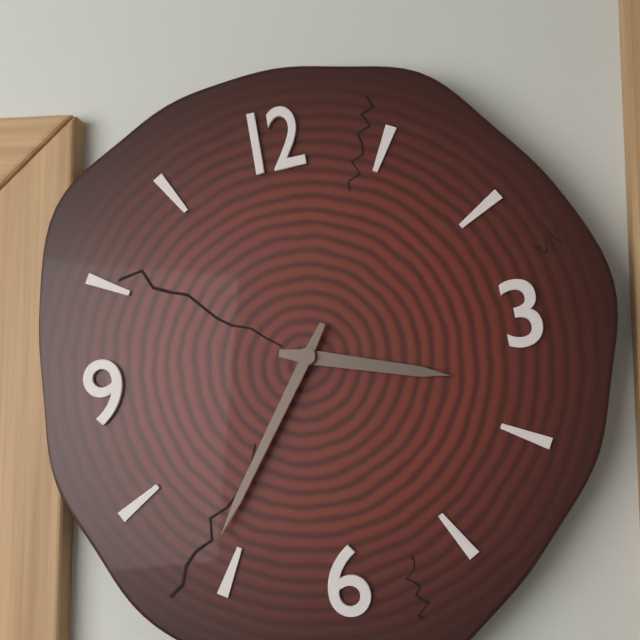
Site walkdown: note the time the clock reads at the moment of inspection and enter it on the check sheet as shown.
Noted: 3:36
